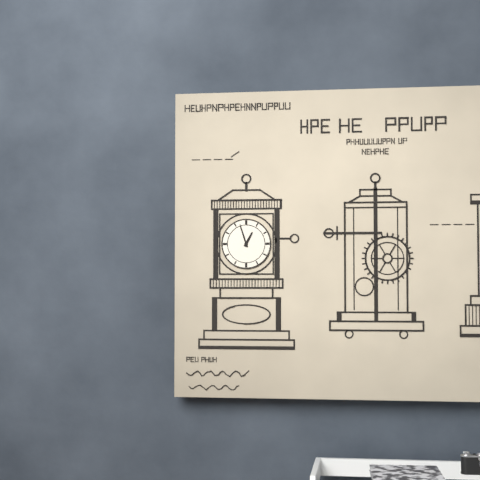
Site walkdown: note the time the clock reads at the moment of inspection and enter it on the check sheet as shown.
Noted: 12:57
